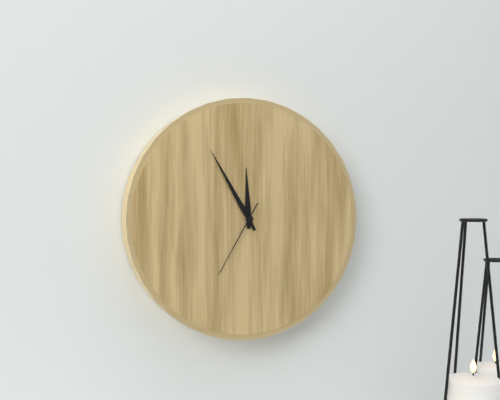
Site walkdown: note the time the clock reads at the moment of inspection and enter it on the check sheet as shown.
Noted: 11:55:35
